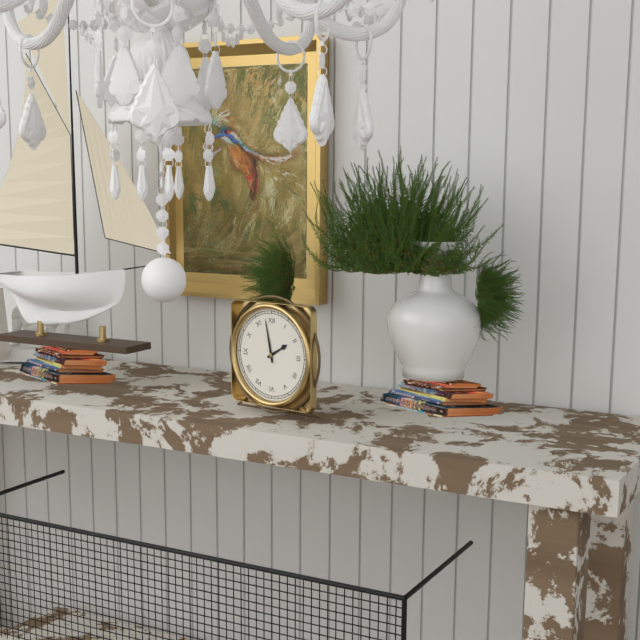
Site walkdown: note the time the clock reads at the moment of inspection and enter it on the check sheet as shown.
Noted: 1:58
